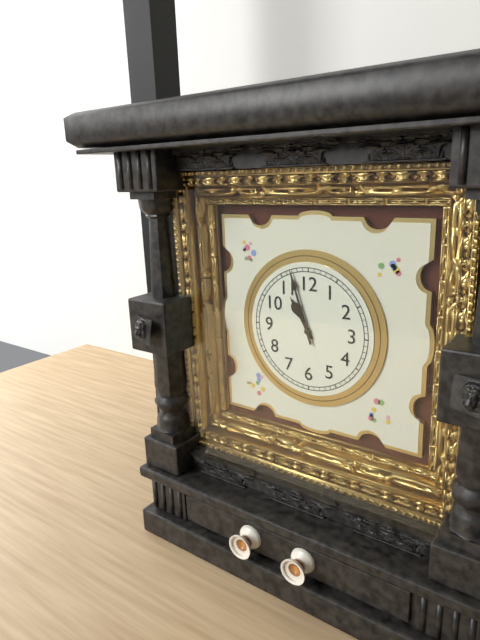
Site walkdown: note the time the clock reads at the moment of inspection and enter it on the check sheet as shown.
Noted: 10:57
